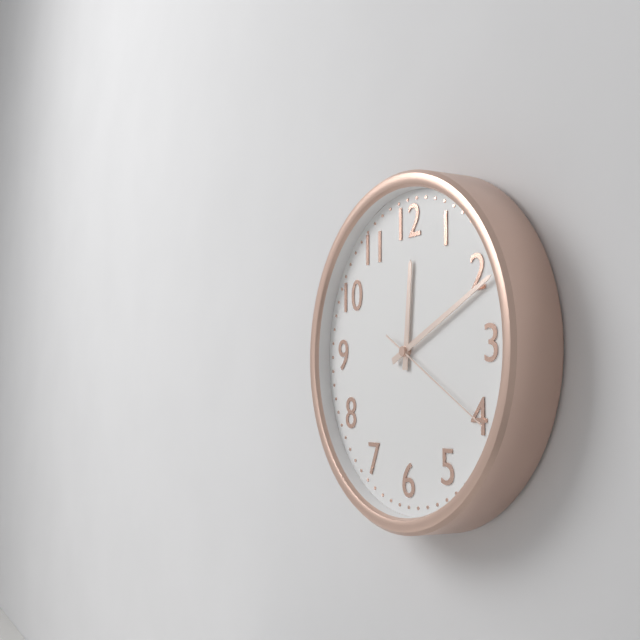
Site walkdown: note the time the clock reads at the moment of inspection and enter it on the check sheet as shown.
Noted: 12:11:20
